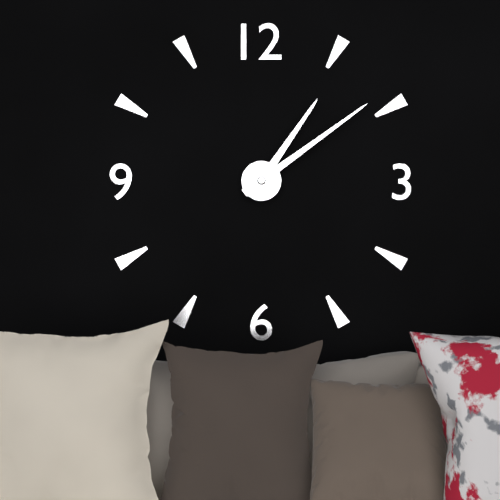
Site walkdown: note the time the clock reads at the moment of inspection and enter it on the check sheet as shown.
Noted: 1:09
